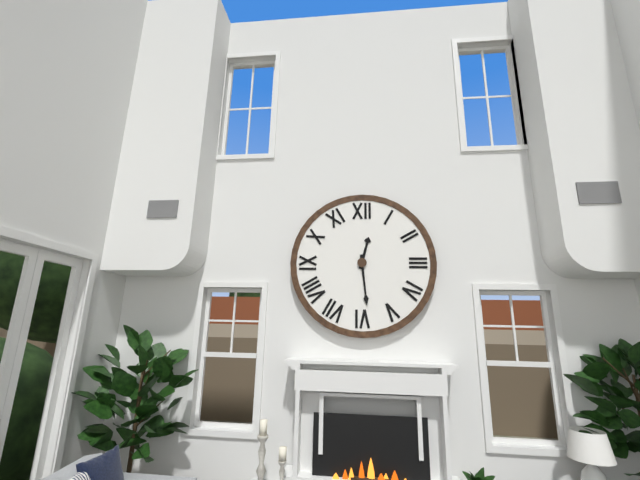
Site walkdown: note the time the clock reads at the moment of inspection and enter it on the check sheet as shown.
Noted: 12:29
